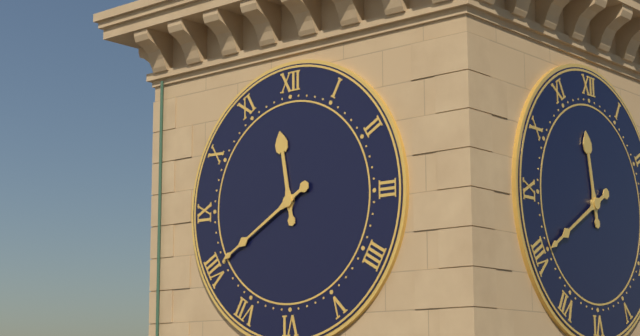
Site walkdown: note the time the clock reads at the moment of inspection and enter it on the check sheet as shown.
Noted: 11:40
